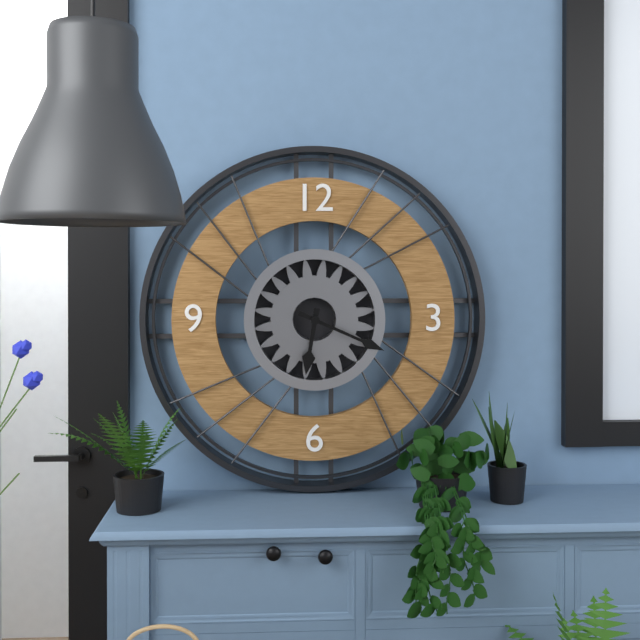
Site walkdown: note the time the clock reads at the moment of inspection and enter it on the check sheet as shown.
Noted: 6:19
